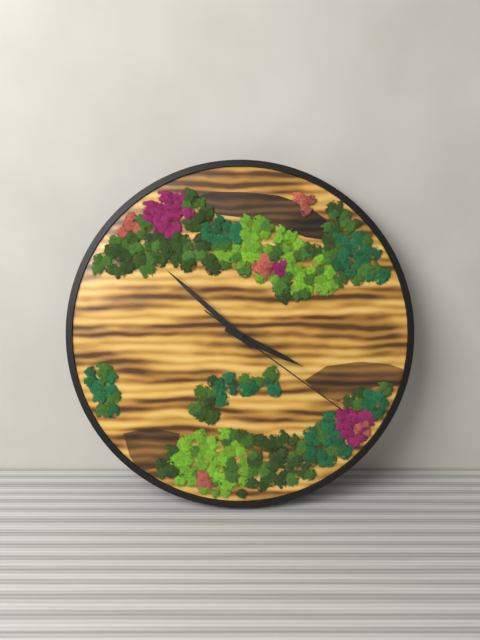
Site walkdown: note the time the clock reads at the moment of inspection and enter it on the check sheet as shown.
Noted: 3:52:21
